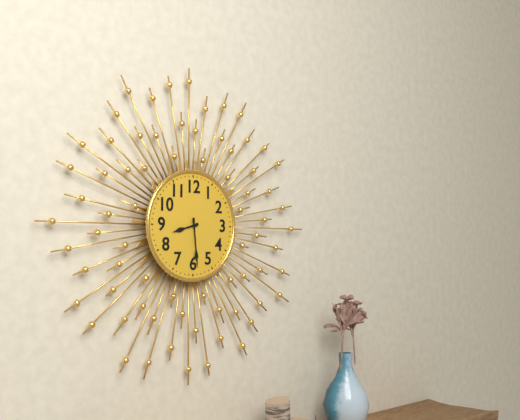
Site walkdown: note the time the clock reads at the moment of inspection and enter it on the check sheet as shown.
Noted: 8:29
